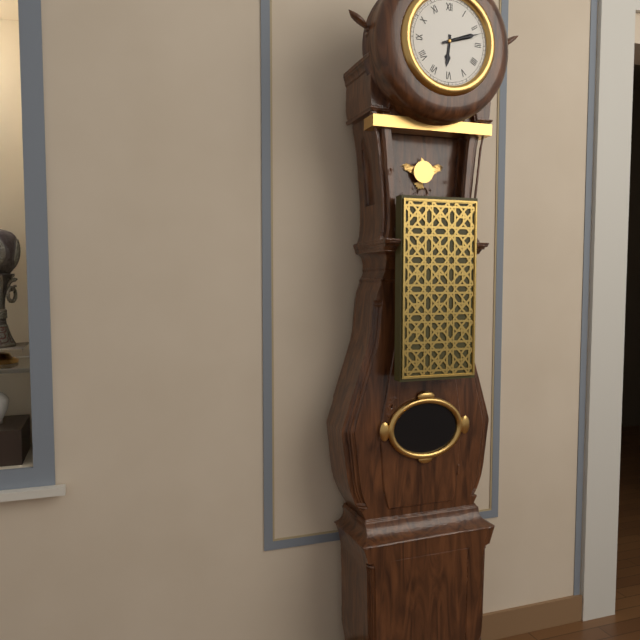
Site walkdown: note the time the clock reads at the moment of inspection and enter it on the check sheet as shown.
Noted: 6:12
